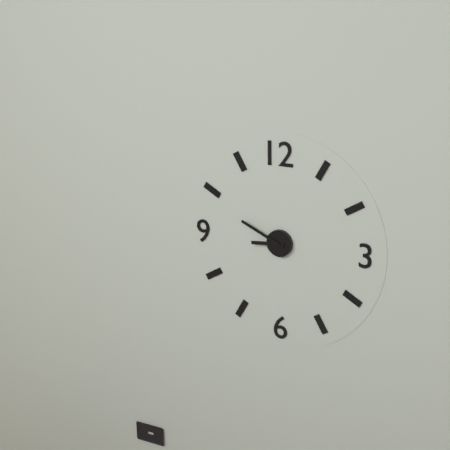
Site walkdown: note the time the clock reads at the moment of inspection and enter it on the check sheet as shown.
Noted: 8:49
